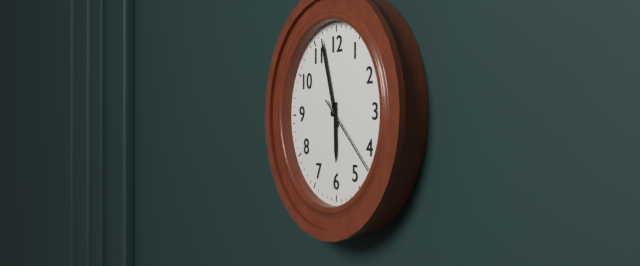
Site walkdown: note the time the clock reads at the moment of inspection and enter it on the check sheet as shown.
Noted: 5:57:22
